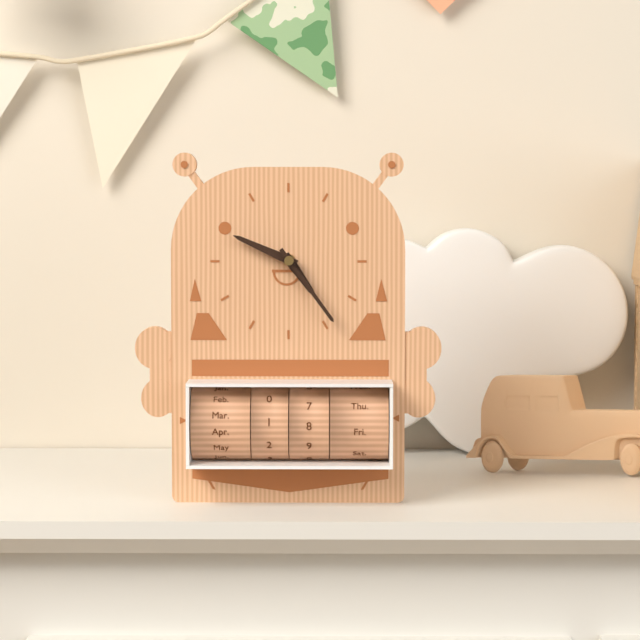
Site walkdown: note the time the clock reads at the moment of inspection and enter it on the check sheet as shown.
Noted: 4:49:24
